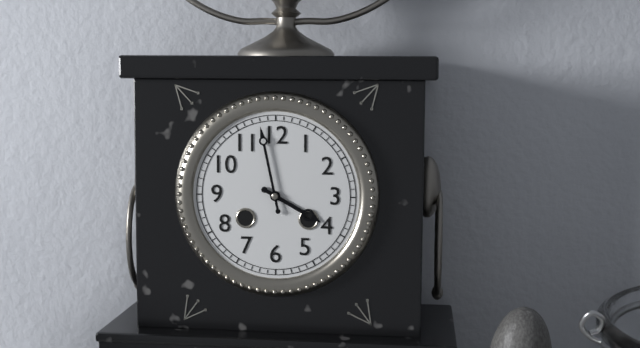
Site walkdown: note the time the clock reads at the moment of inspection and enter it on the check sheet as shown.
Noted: 3:58
